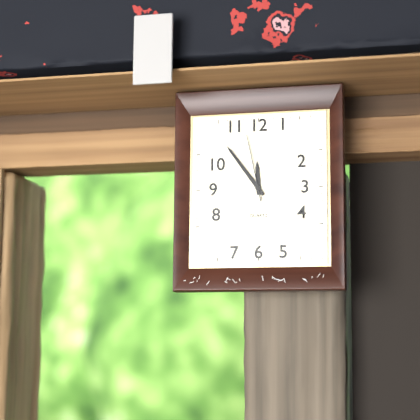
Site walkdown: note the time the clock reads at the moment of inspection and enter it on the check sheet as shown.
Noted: 11:54:58
